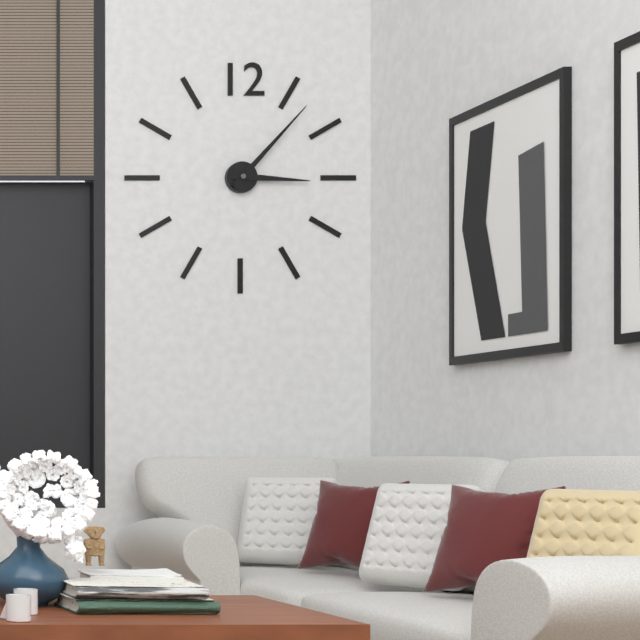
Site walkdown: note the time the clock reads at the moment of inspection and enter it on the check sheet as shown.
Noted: 3:07
